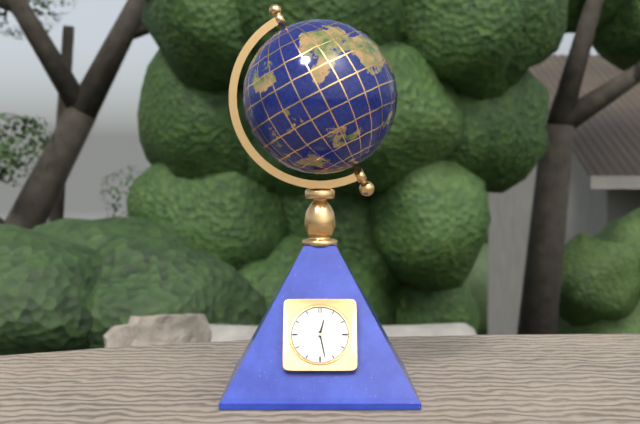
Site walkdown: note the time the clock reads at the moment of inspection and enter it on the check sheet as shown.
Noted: 12:28
